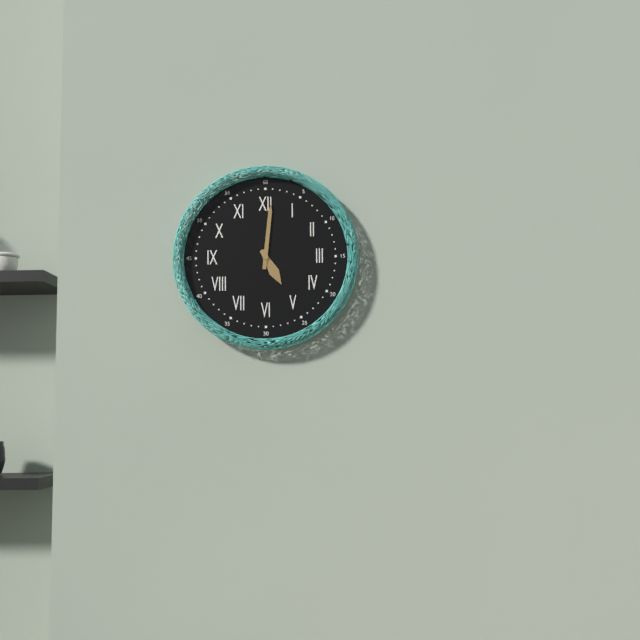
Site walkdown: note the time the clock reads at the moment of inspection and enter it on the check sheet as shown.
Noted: 5:01
